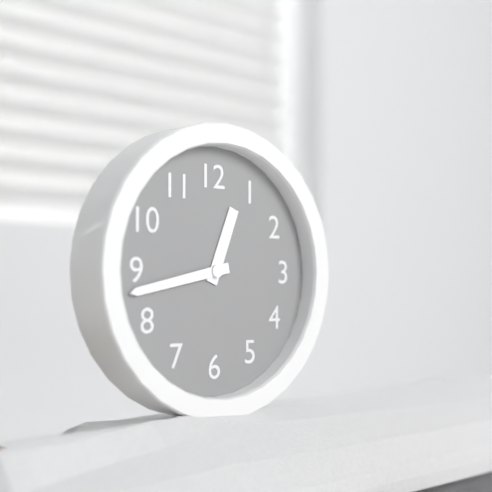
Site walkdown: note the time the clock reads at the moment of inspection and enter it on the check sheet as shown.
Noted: 12:43
